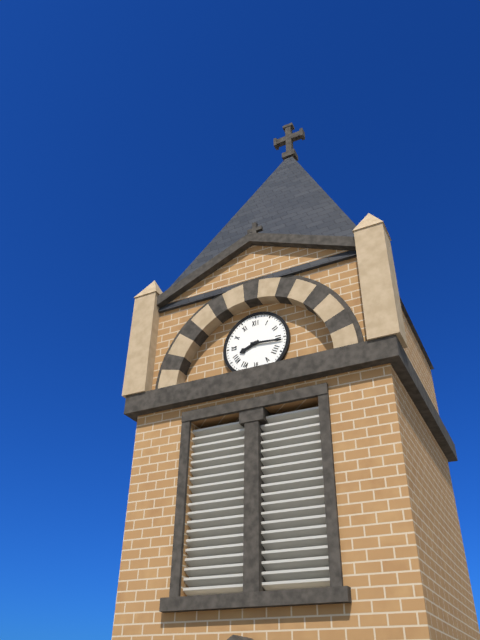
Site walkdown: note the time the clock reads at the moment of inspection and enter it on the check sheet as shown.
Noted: 8:16
